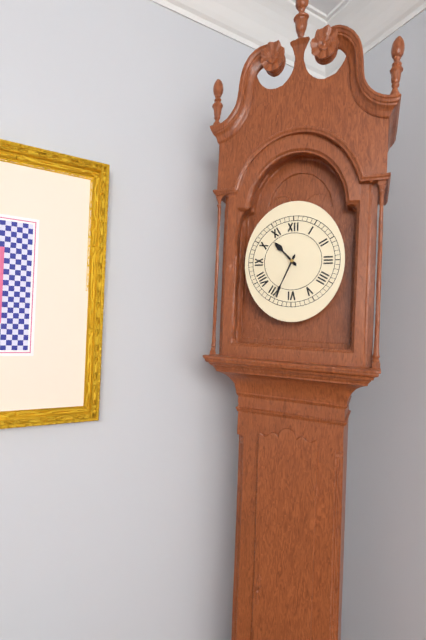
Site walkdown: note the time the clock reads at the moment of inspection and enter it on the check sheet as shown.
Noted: 10:34
